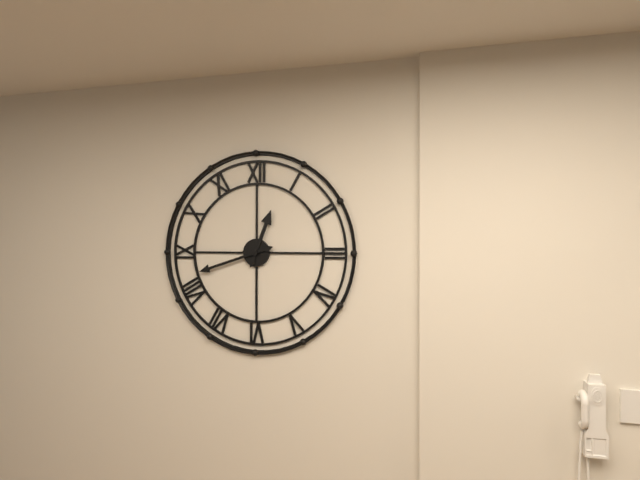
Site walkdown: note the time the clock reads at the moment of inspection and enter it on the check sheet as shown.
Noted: 12:42
